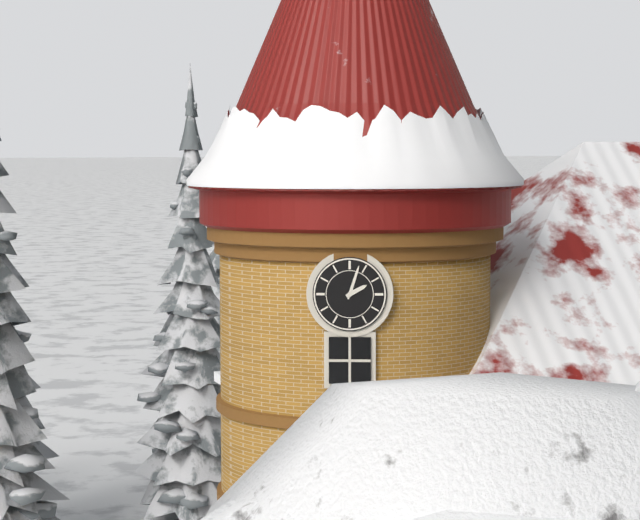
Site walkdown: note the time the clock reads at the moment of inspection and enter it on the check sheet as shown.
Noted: 2:03
